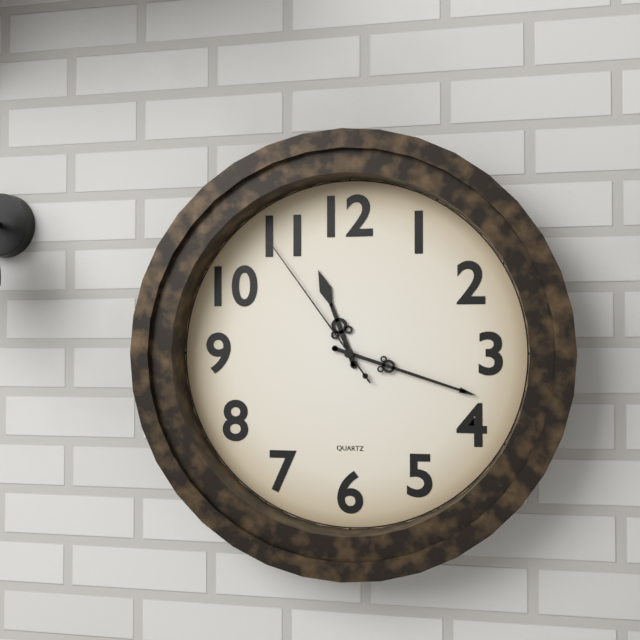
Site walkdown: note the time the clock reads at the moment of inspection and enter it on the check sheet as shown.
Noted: 11:18:54
